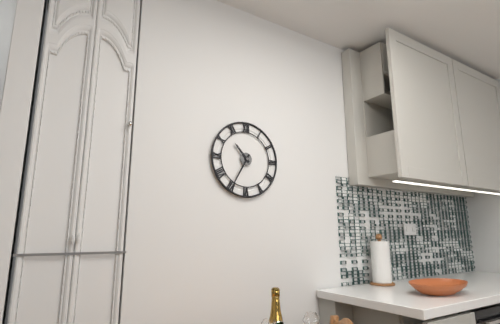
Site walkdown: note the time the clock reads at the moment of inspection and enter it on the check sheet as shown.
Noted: 10:35
